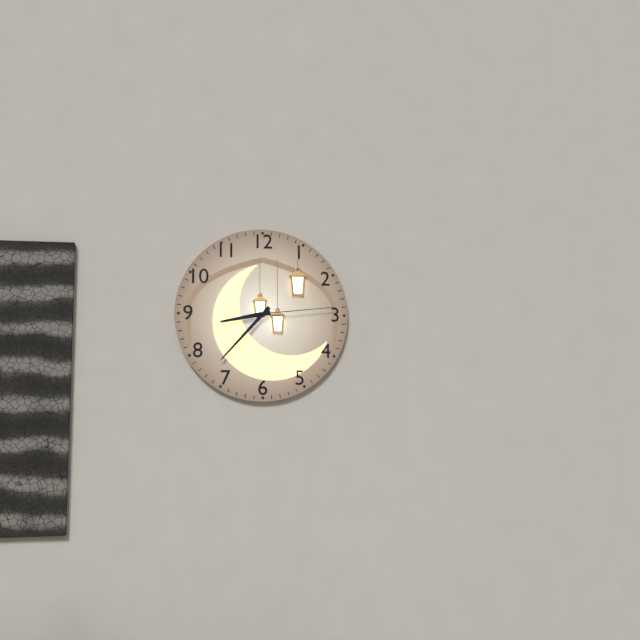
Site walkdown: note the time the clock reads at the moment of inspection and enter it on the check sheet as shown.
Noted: 8:37:14
